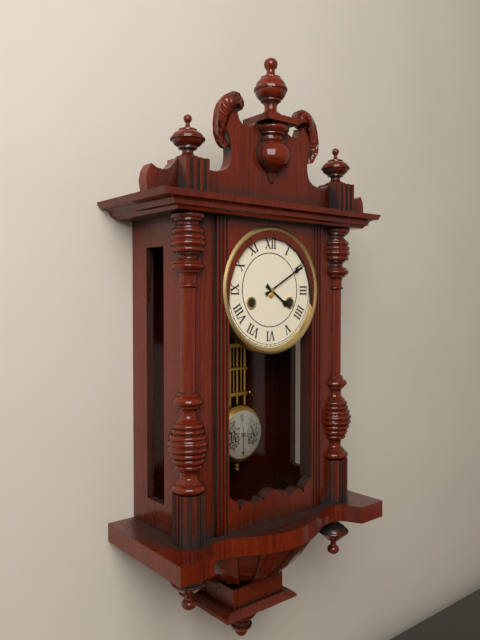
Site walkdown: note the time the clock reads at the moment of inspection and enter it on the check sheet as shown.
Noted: 4:10
